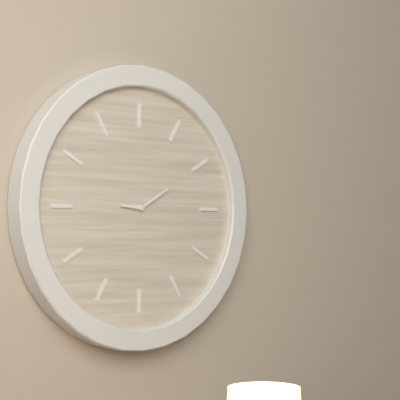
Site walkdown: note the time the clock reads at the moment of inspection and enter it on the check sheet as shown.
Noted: 9:10
